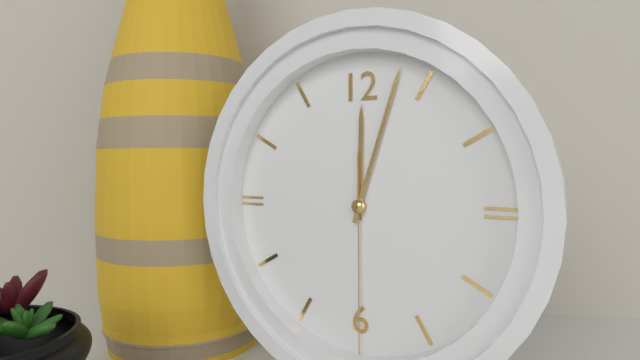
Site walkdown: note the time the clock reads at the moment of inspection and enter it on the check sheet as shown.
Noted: 12:03:30
